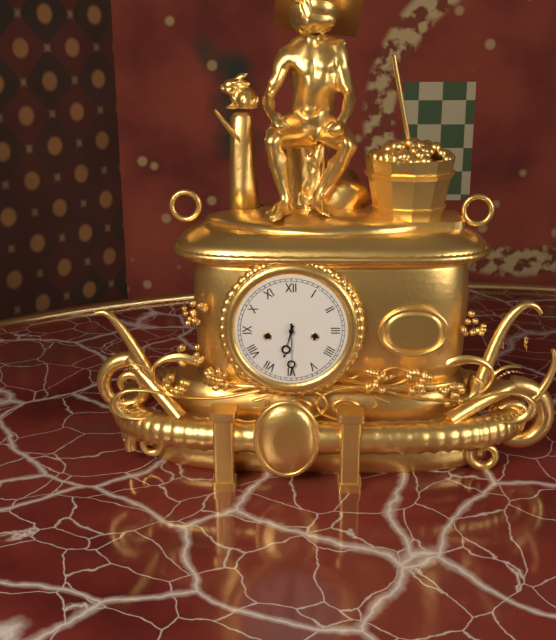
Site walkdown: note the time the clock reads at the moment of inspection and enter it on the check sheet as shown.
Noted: 6:30
